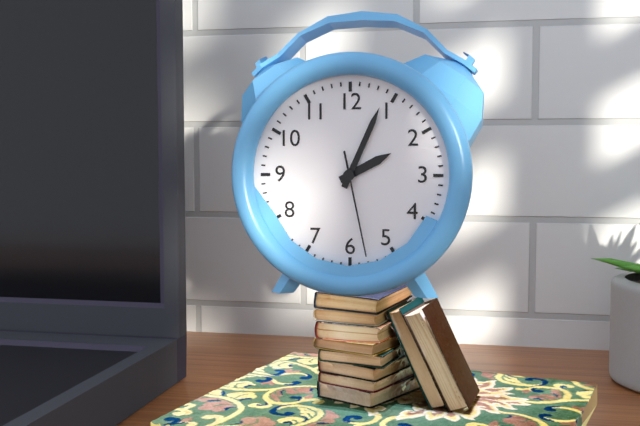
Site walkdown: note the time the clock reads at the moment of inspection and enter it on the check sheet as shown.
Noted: 2:04:28
